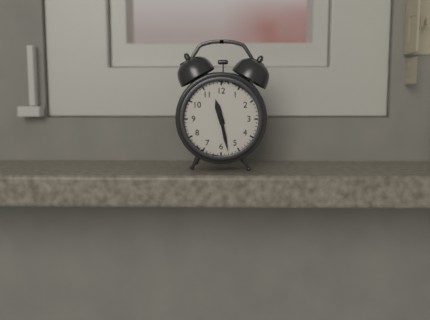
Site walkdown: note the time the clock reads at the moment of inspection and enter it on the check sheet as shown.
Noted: 11:28
